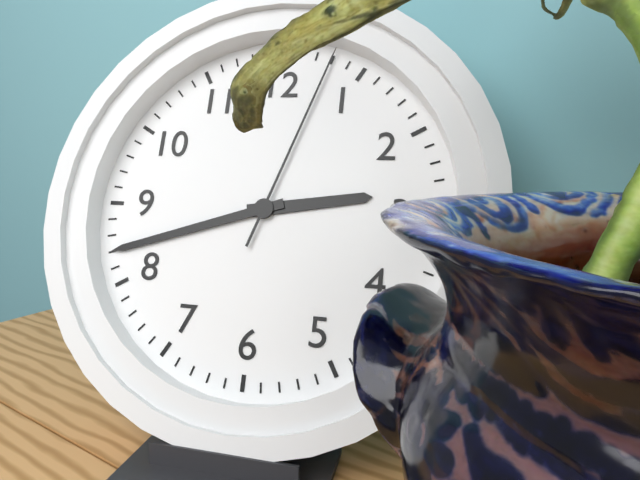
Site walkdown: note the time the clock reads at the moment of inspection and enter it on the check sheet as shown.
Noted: 2:42:03
